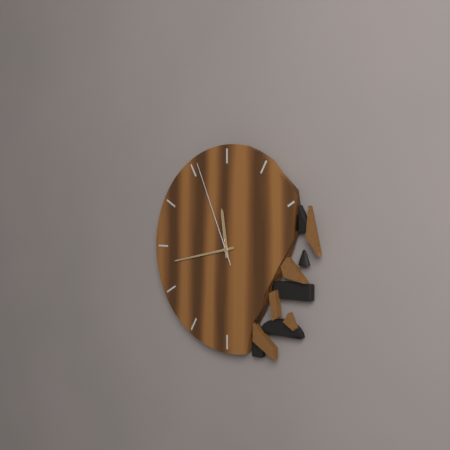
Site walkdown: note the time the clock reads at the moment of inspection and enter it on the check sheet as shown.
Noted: 11:43:56
